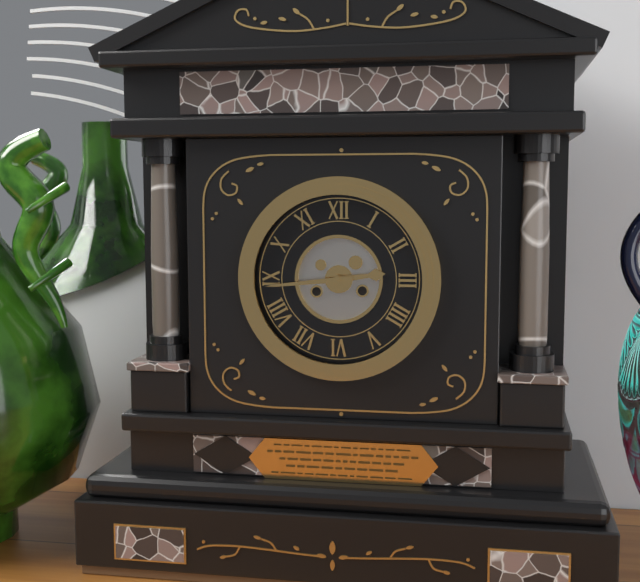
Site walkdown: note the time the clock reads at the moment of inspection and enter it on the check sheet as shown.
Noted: 2:44
